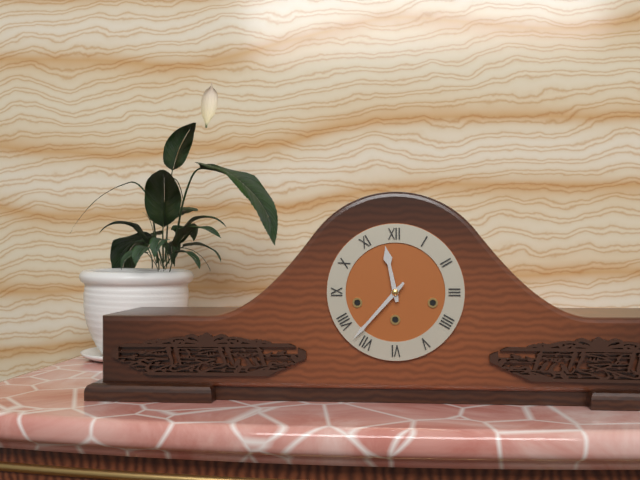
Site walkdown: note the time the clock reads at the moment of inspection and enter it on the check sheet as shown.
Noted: 11:37
